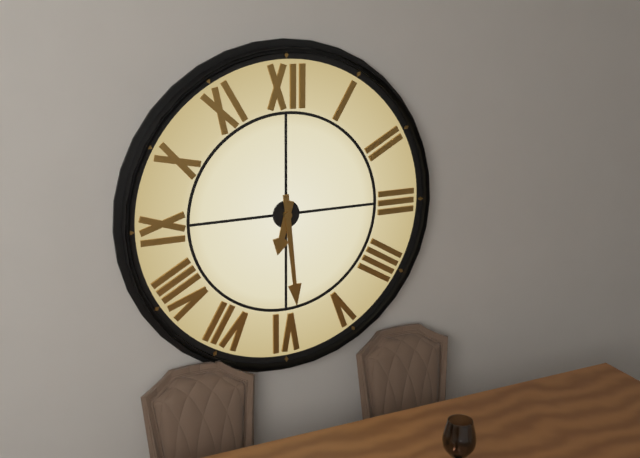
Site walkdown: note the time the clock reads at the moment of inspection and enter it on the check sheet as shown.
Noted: 6:29
